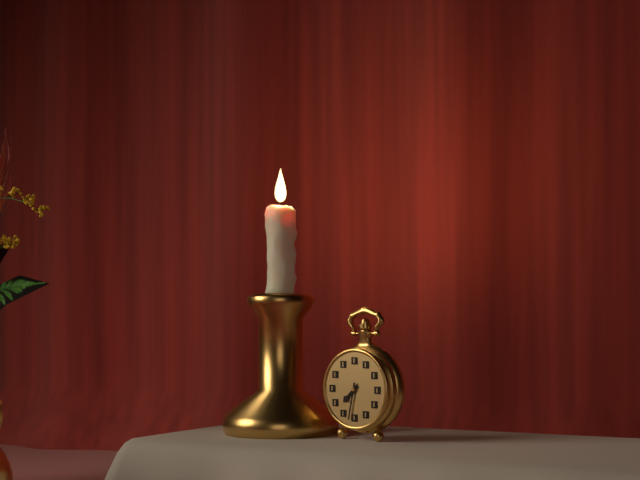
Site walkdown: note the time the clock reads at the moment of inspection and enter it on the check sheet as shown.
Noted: 7:32
